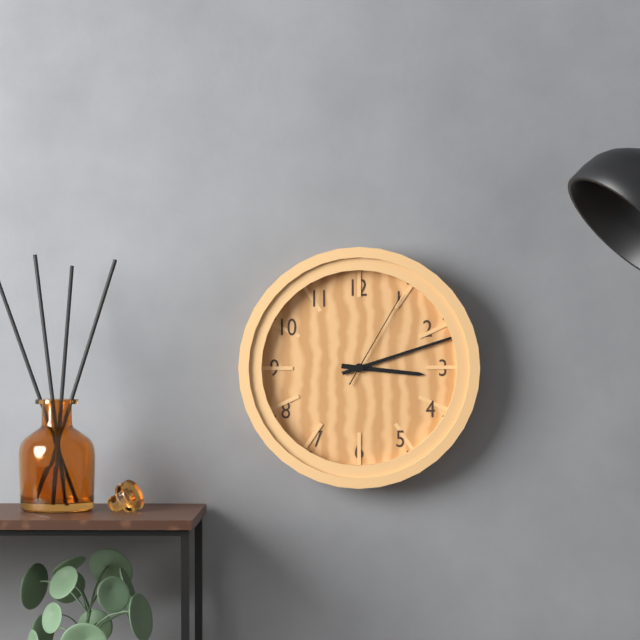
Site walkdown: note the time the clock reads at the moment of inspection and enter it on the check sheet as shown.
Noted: 3:12:05
